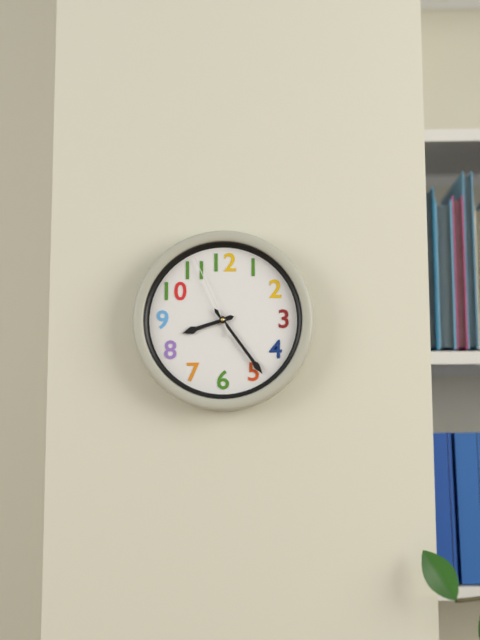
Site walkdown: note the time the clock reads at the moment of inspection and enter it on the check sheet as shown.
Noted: 8:24:56
